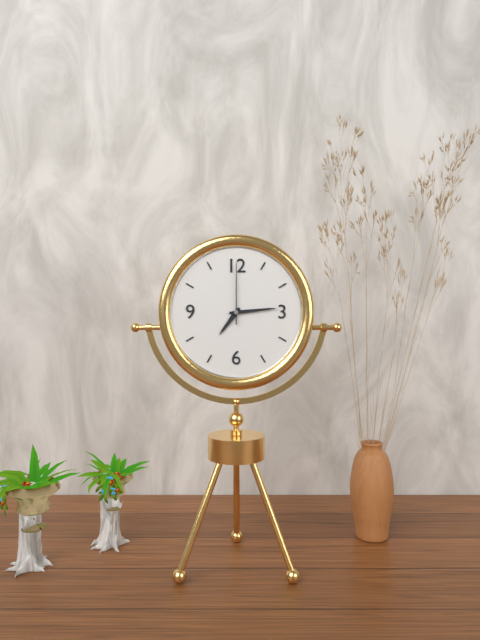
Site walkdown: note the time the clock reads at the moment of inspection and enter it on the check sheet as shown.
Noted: 7:14:00
